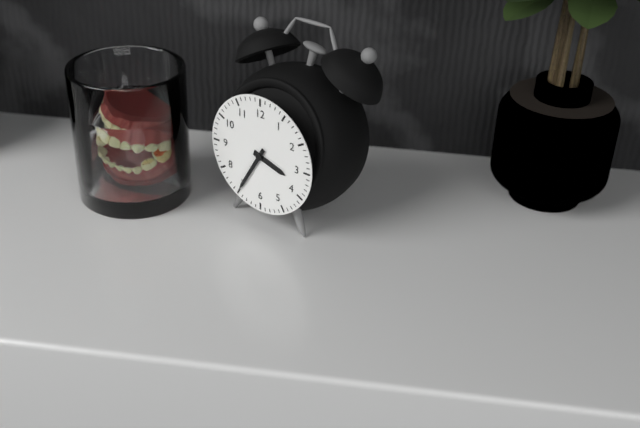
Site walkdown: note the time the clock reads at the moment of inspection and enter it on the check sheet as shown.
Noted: 3:35
